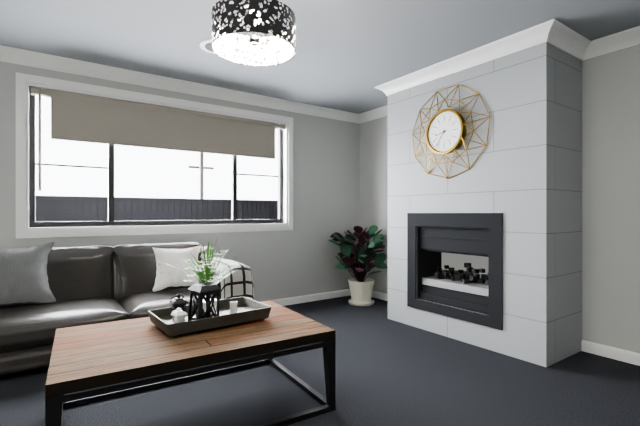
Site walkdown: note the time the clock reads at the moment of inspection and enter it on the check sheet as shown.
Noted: 8:36
